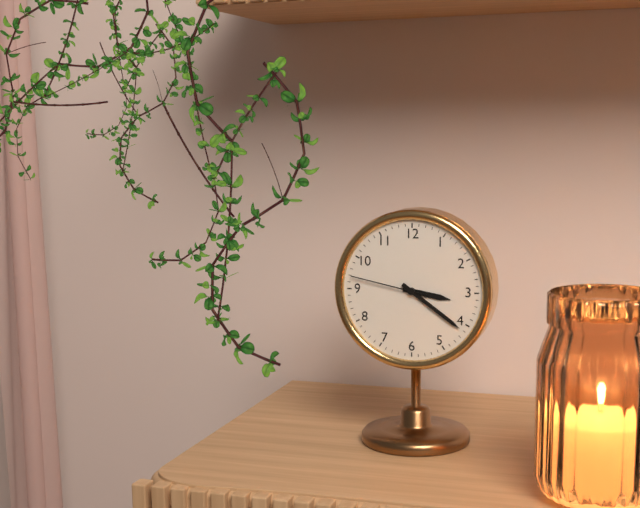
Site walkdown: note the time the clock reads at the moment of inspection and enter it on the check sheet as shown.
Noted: 3:21:47
